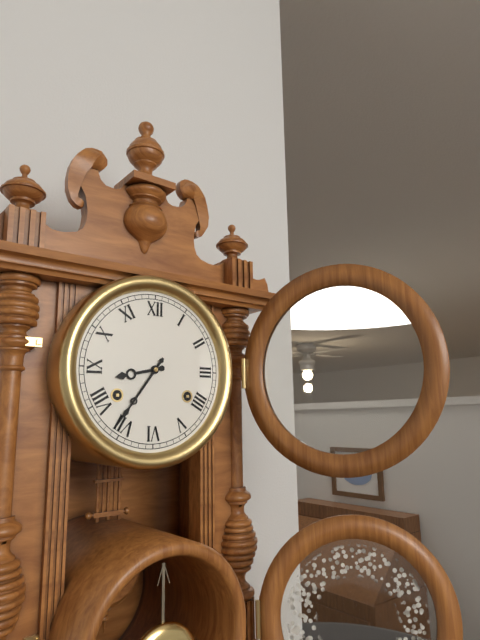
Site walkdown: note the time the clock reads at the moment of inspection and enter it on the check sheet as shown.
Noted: 8:36
